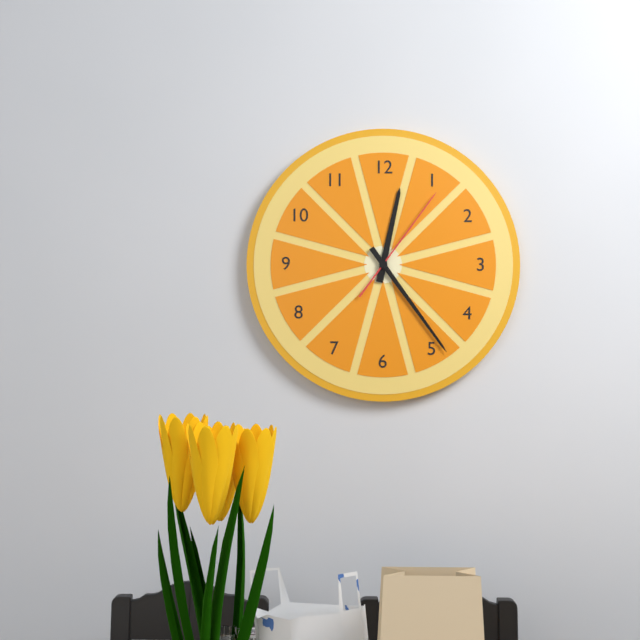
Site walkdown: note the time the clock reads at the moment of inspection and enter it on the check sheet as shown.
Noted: 12:24:06
